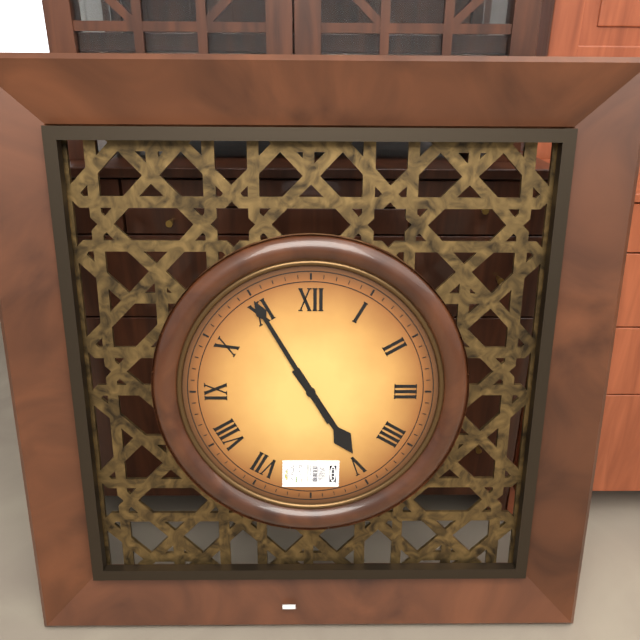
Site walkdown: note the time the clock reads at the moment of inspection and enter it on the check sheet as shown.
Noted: 4:55
